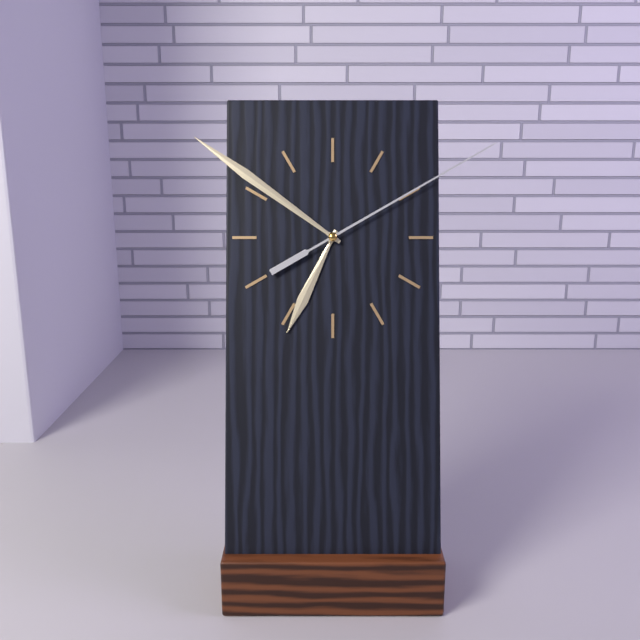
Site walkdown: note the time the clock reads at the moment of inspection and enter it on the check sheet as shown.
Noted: 6:51:10
